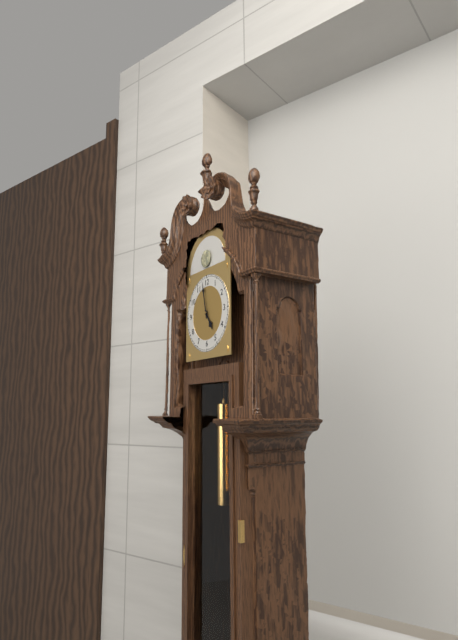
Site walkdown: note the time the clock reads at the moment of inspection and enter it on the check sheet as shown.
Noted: 4:58
